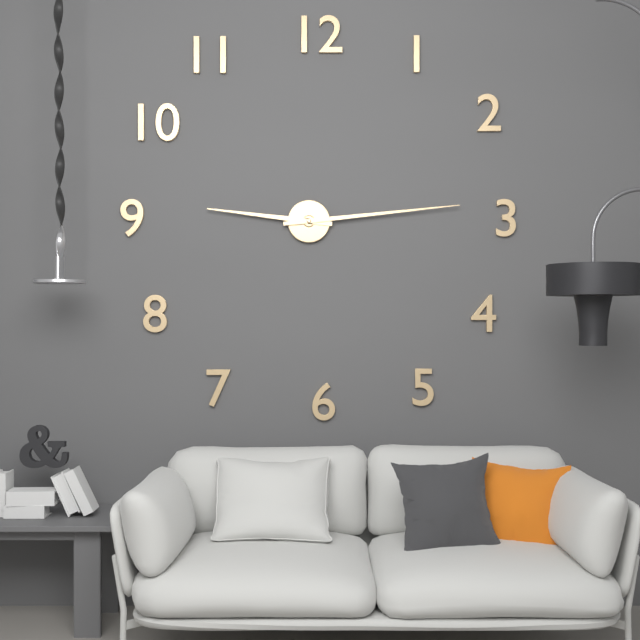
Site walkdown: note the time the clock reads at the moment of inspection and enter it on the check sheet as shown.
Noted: 9:14
